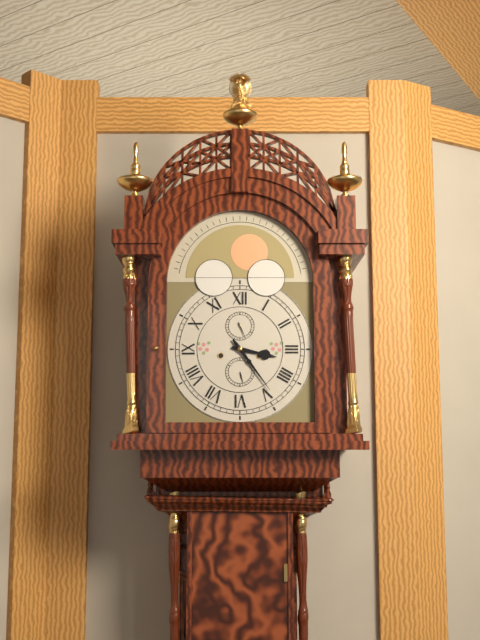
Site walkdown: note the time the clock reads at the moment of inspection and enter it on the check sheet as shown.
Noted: 3:24
